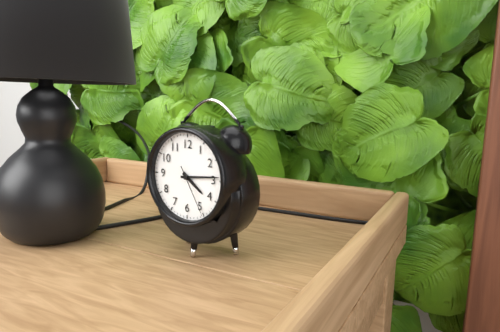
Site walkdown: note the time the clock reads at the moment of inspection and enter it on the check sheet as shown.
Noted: 4:14:25
